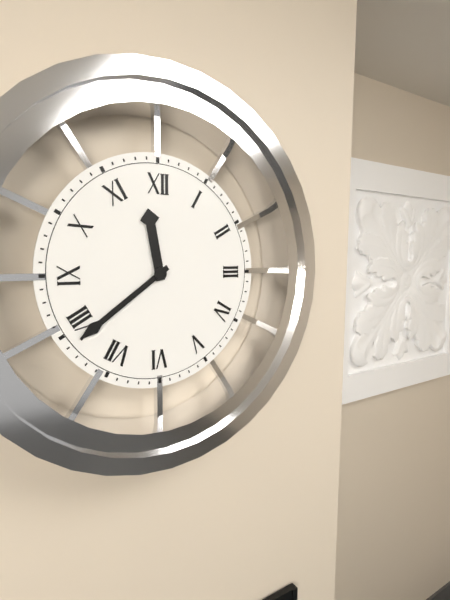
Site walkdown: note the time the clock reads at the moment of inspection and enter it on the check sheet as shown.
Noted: 11:39
